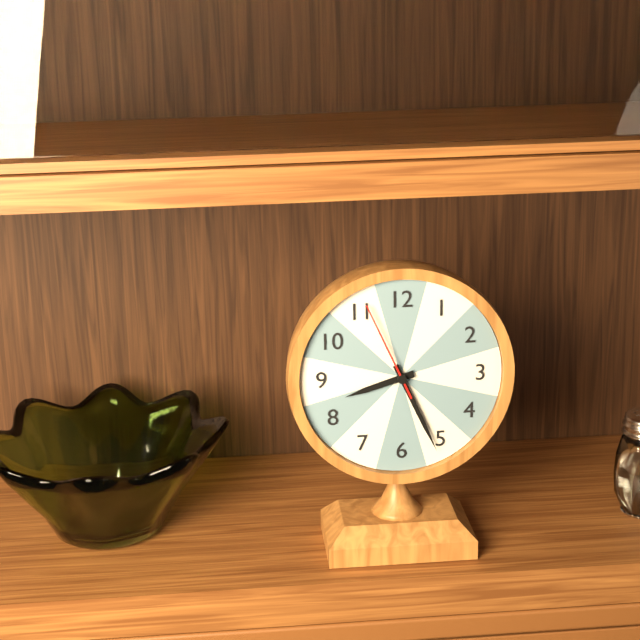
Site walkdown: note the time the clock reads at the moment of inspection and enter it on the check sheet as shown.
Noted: 8:26:56
